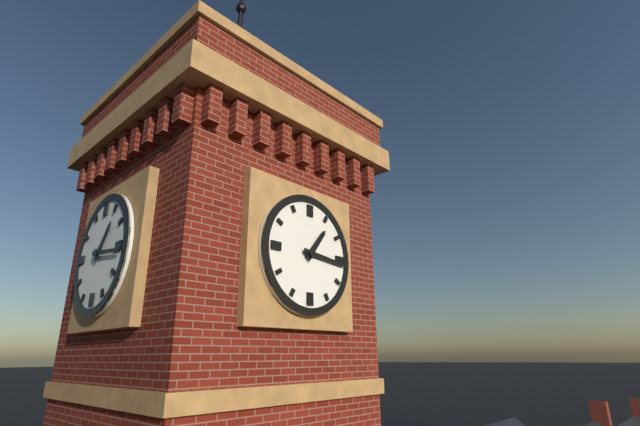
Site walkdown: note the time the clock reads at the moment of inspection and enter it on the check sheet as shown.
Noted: 1:16
